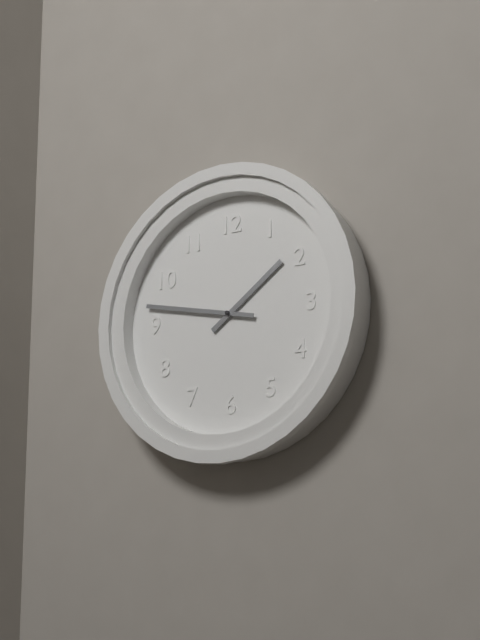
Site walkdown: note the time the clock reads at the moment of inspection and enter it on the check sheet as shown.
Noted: 1:47
